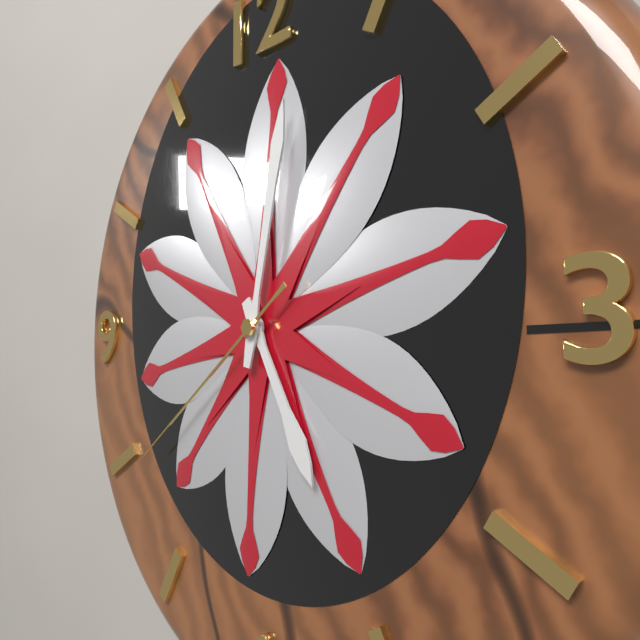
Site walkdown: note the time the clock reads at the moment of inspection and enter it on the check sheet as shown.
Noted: 5:02:39
